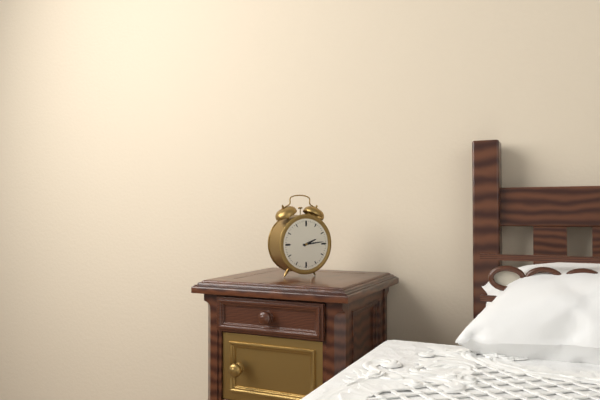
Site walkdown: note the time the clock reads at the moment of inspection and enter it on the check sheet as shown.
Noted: 2:14
